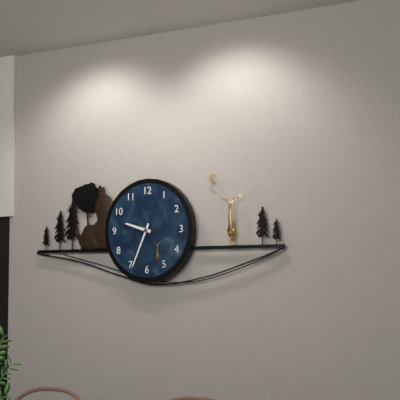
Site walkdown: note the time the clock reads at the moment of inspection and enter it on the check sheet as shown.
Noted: 9:34
